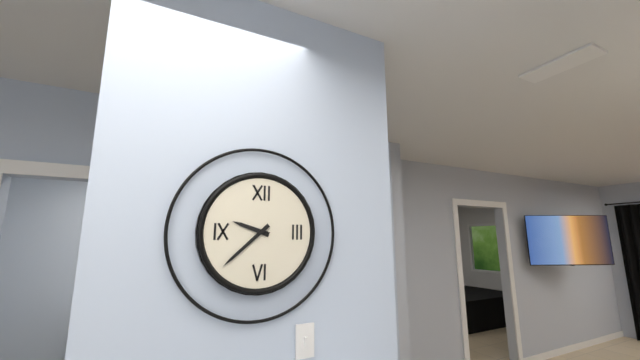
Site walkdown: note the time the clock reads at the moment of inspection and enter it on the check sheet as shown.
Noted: 9:38
